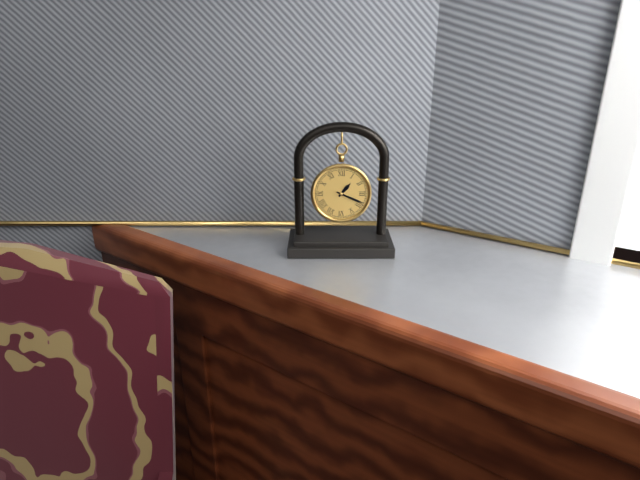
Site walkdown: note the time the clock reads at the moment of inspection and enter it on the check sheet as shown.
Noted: 1:19
